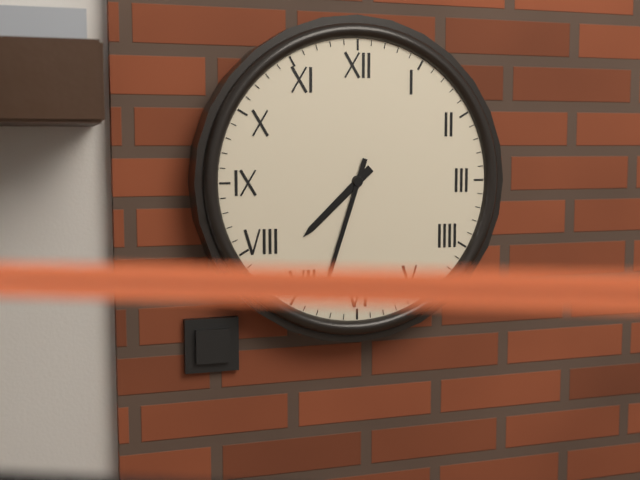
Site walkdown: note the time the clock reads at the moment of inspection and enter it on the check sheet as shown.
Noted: 7:33
